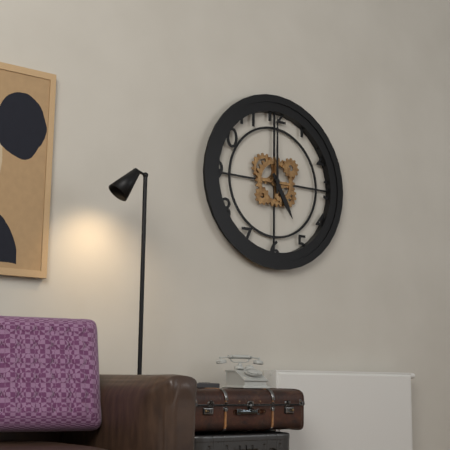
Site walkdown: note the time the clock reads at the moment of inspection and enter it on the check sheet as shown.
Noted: 5:00
